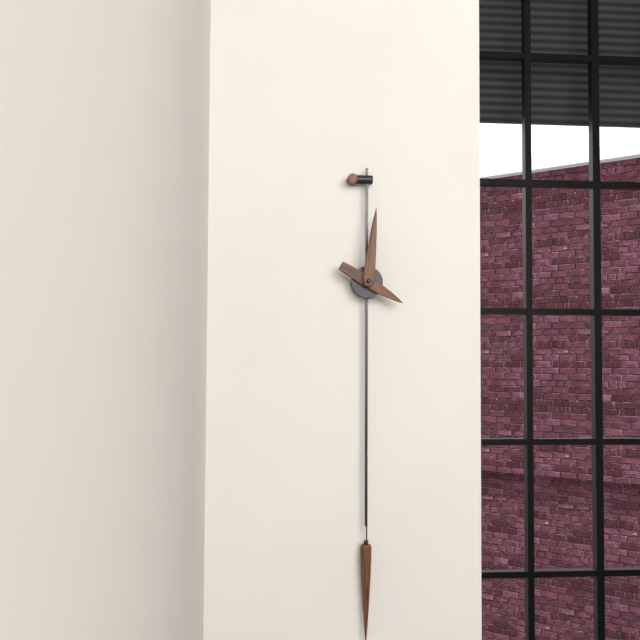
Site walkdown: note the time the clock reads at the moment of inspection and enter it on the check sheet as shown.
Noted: 4:01
